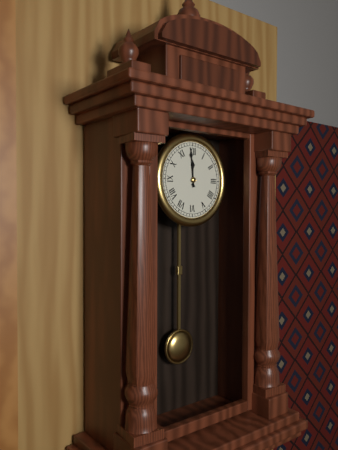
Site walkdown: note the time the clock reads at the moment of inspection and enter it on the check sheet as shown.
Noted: 11:59
